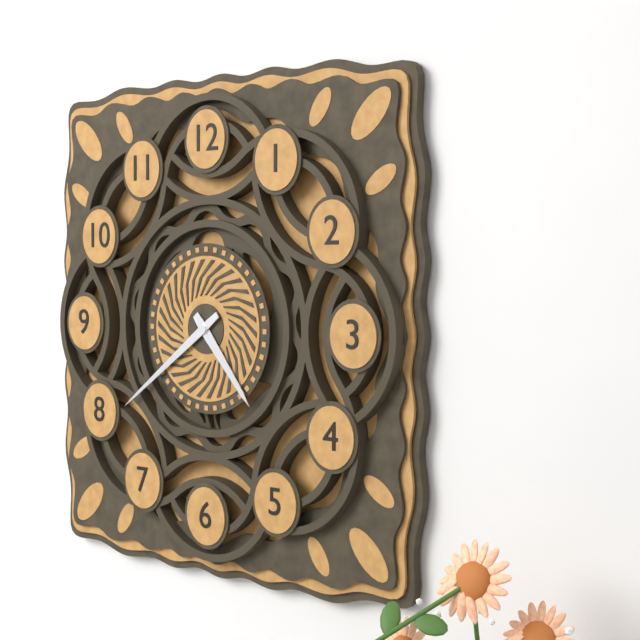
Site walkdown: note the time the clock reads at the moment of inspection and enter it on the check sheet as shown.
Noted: 4:39
